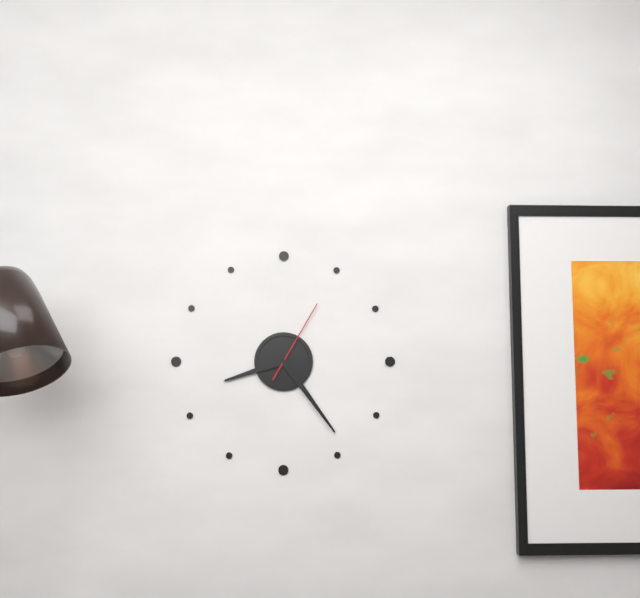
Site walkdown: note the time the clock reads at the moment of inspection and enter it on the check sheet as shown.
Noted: 8:24:05
